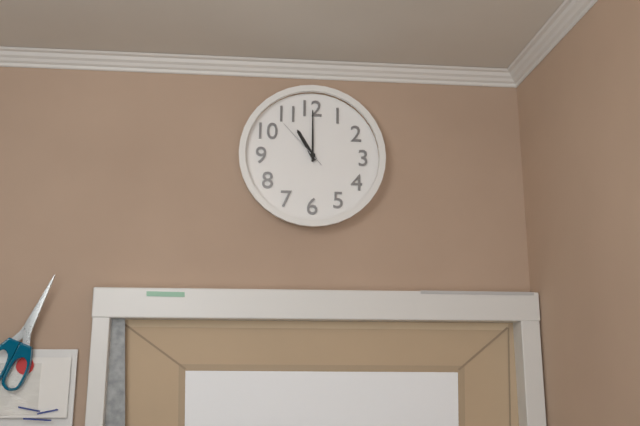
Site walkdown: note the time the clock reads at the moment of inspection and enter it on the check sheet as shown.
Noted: 11:00:53
